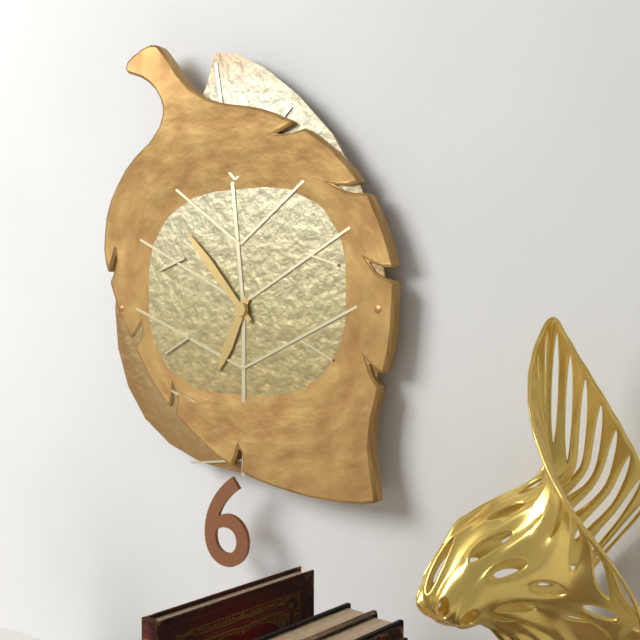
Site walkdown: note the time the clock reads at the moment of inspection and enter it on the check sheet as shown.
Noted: 6:53
